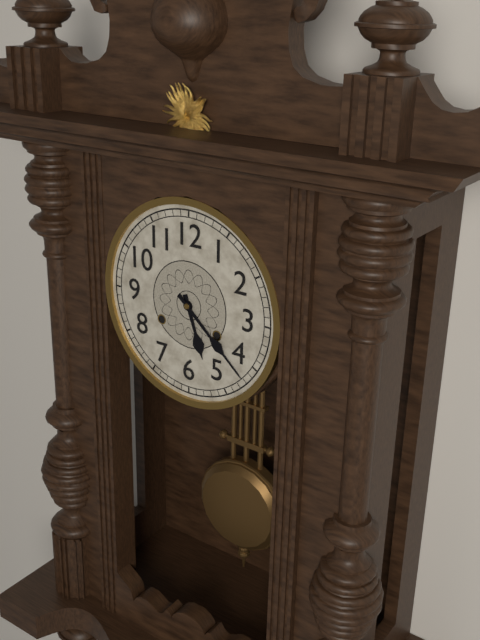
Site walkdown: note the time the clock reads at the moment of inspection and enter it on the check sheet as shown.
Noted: 5:22
